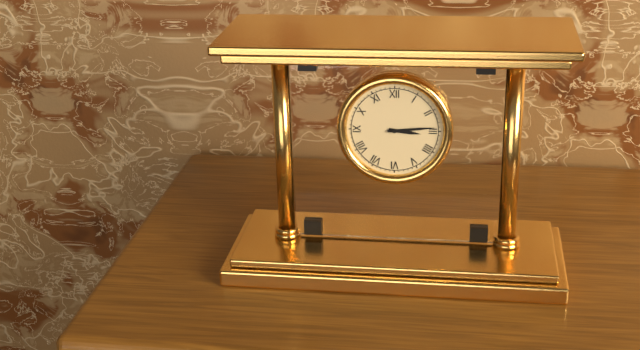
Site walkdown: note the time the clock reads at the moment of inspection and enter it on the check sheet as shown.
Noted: 3:14
